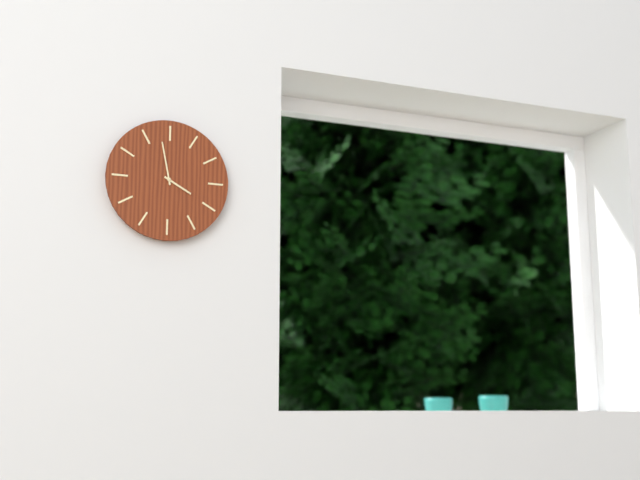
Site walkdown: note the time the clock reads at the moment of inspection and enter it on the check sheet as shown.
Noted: 3:58
